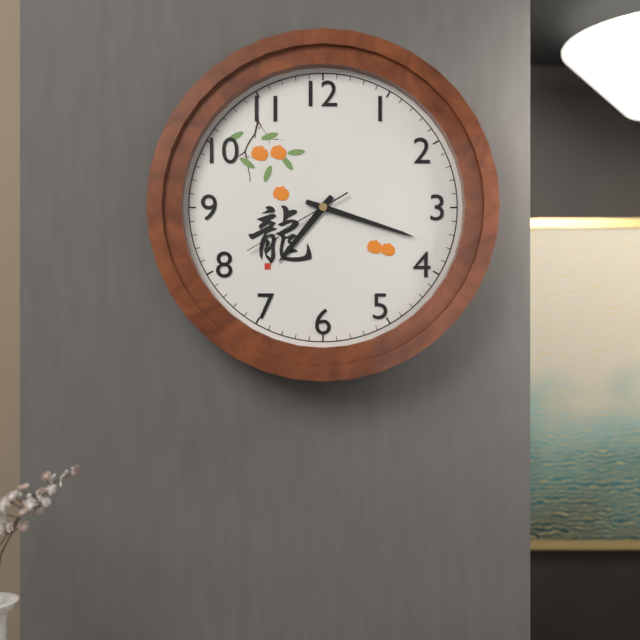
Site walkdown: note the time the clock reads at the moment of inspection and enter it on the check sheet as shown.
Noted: 7:18:40
